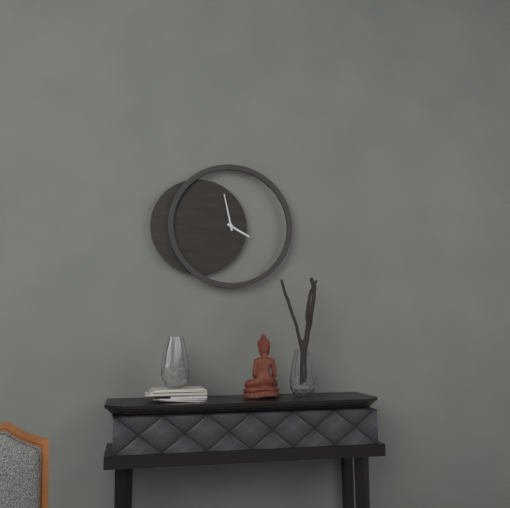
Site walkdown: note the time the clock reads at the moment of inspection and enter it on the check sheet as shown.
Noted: 3:58
